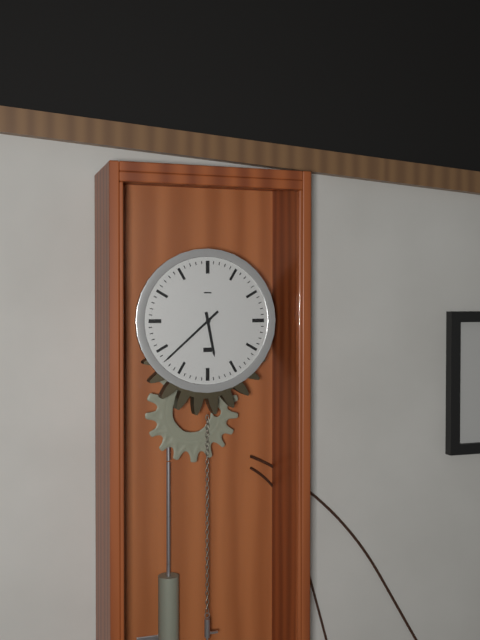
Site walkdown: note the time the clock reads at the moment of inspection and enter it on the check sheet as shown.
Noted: 5:38
